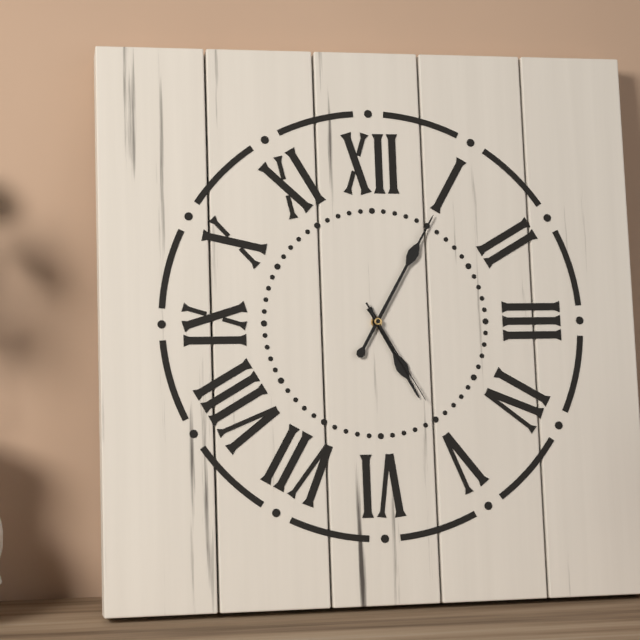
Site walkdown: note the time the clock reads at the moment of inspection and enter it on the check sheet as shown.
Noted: 5:05:25
